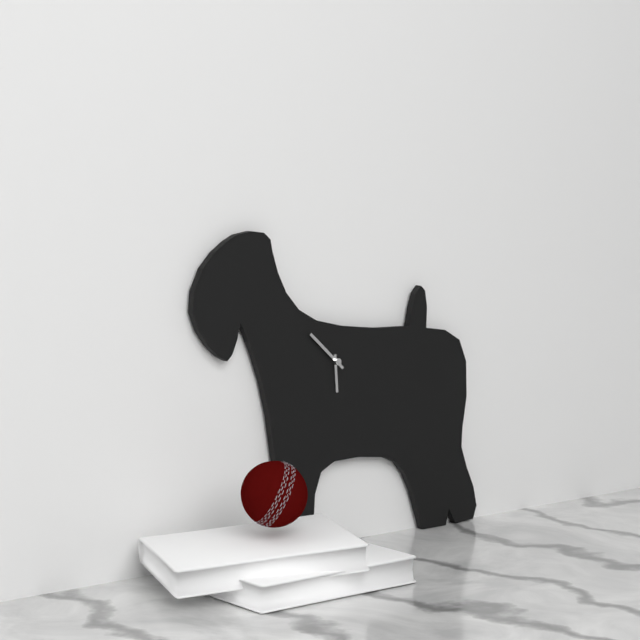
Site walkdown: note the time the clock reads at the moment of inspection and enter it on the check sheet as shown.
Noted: 5:52
